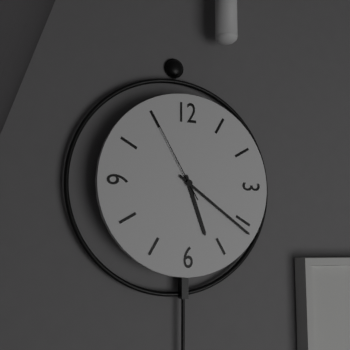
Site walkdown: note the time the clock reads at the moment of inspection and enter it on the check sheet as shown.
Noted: 5:21:55
